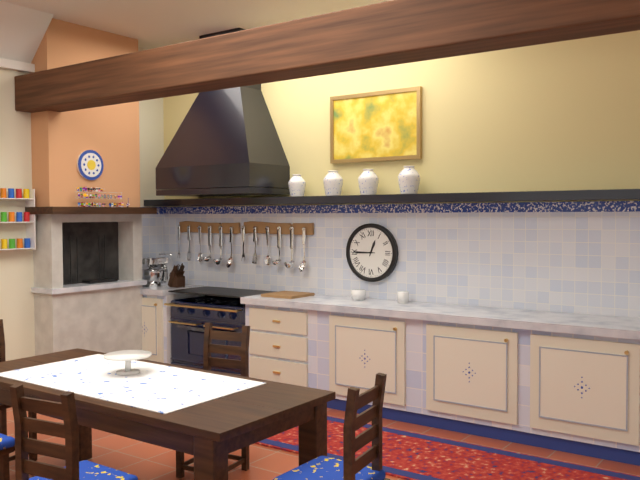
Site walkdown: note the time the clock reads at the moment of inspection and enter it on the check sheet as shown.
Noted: 12:45
